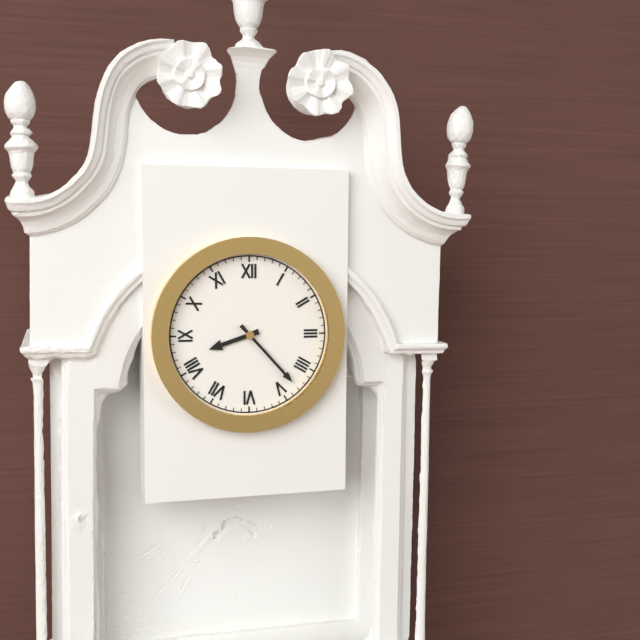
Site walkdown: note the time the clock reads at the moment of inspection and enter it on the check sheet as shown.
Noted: 8:23
